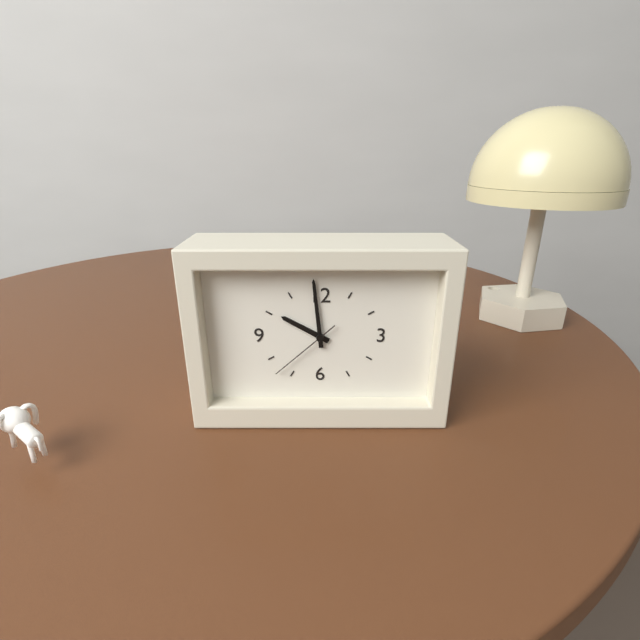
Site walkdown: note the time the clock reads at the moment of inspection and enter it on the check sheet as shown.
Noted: 9:59:38
